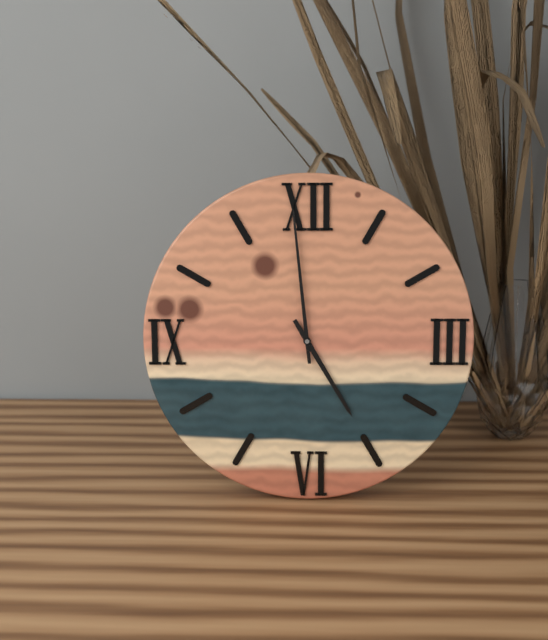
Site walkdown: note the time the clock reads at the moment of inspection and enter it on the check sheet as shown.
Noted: 4:59
